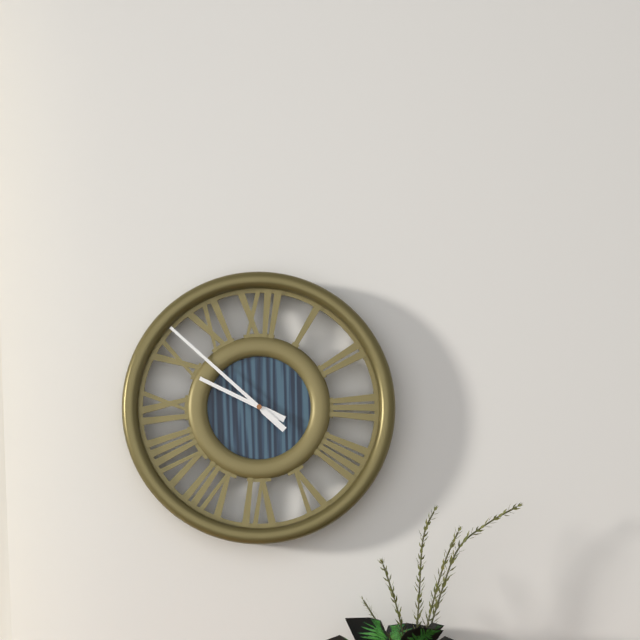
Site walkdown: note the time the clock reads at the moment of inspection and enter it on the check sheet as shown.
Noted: 9:52
